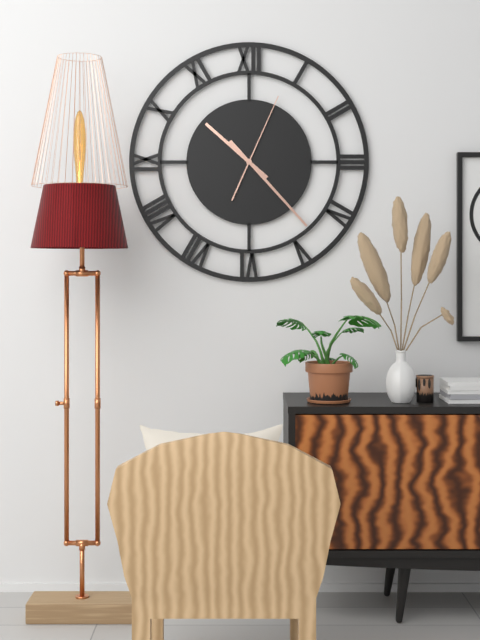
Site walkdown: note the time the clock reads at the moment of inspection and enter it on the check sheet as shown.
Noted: 10:23:04
